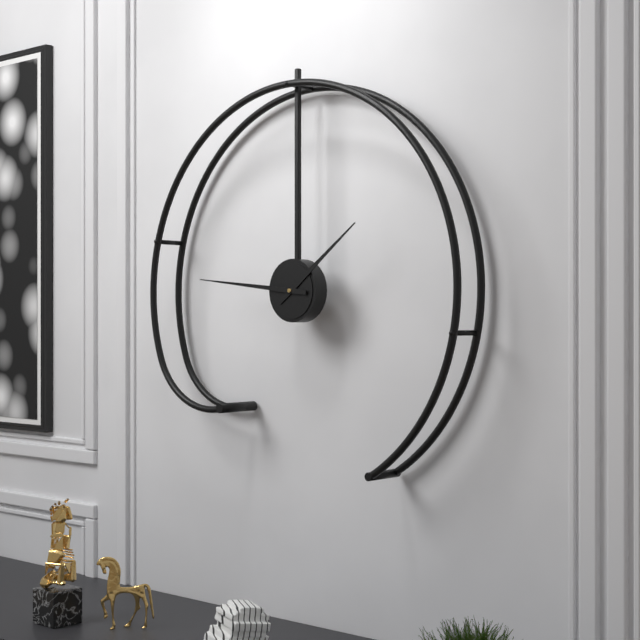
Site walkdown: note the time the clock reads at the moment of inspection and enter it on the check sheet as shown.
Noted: 1:46
